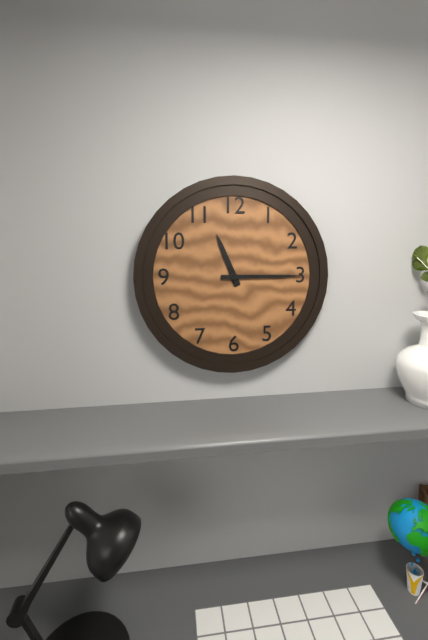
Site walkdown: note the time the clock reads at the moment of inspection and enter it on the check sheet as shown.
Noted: 11:15
